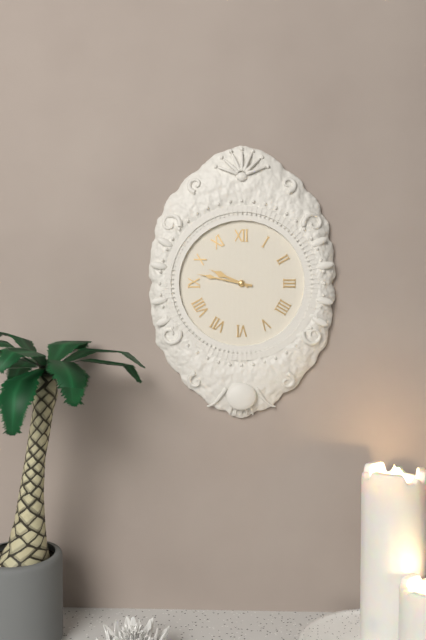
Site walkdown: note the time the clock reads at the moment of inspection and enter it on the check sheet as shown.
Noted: 9:47
